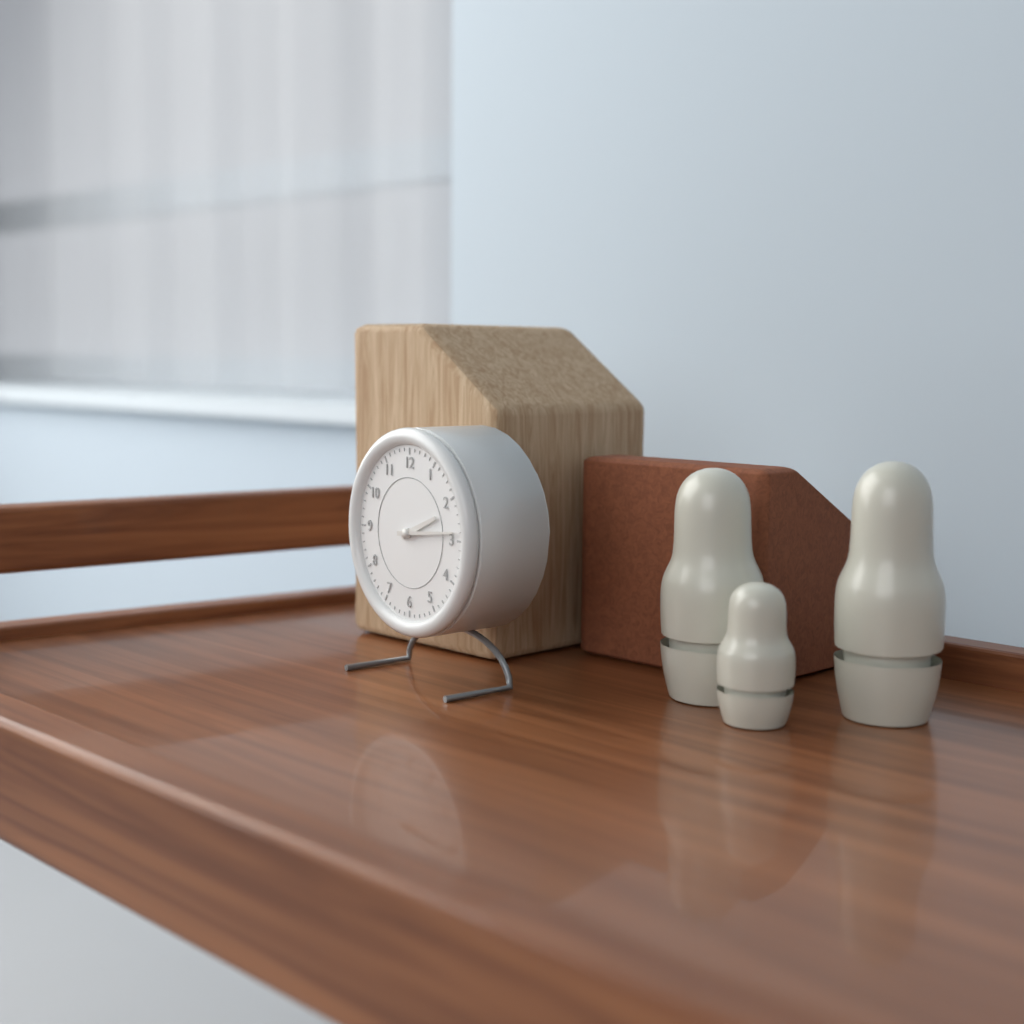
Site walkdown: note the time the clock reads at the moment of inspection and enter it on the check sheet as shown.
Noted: 2:14
